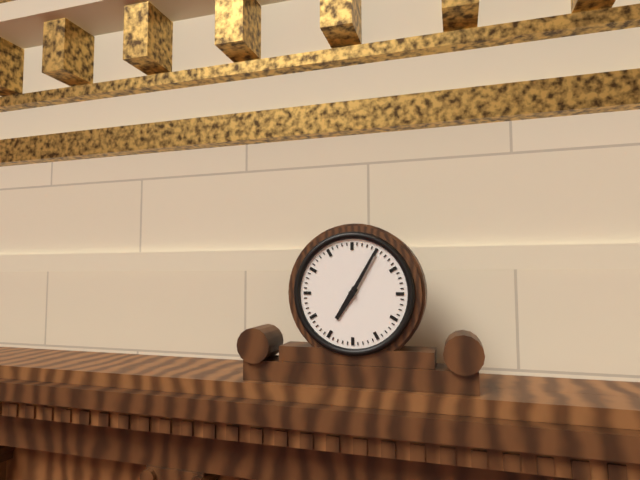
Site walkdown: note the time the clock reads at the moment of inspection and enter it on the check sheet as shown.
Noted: 7:05
